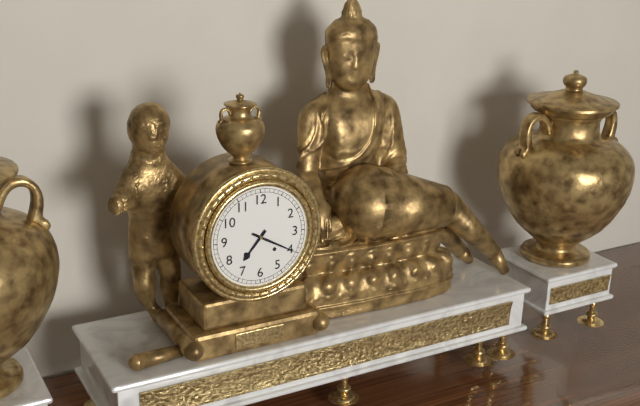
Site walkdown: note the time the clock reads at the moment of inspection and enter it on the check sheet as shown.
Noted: 7:20
